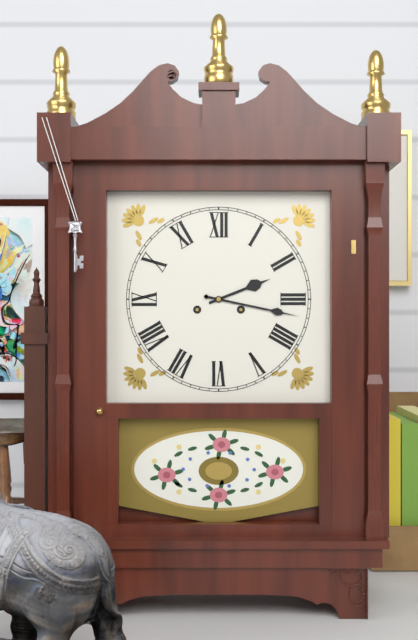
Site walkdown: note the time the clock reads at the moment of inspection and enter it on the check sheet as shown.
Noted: 2:17
